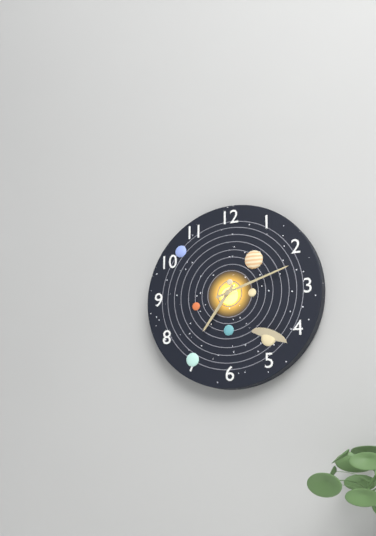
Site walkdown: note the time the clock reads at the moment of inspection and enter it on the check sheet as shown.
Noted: 7:12
